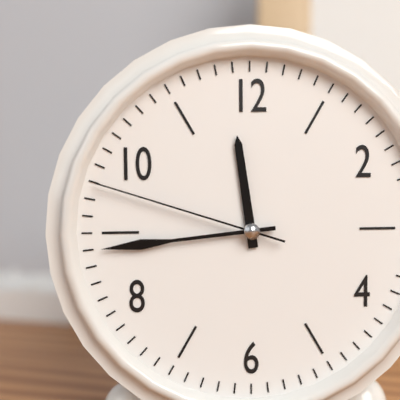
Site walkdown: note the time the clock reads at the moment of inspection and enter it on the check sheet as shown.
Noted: 11:44:48
